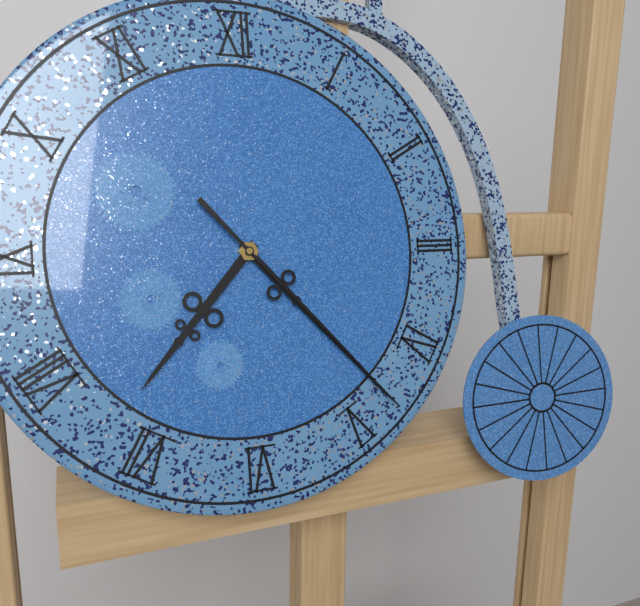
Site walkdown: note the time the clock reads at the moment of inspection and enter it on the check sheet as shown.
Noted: 7:23:23
